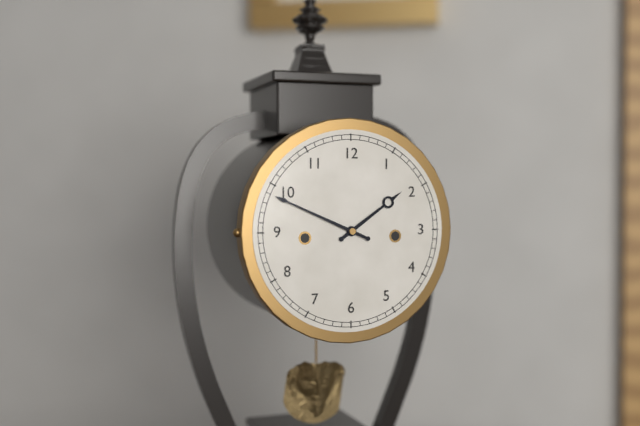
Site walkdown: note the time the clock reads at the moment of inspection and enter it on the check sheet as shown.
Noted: 1:49
